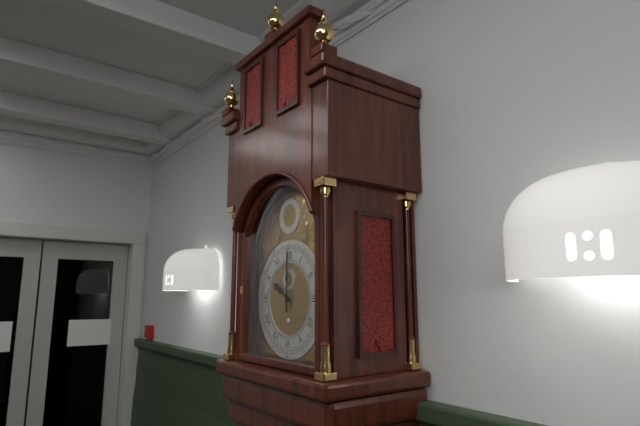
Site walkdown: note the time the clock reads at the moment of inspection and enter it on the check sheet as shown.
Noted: 10:00
